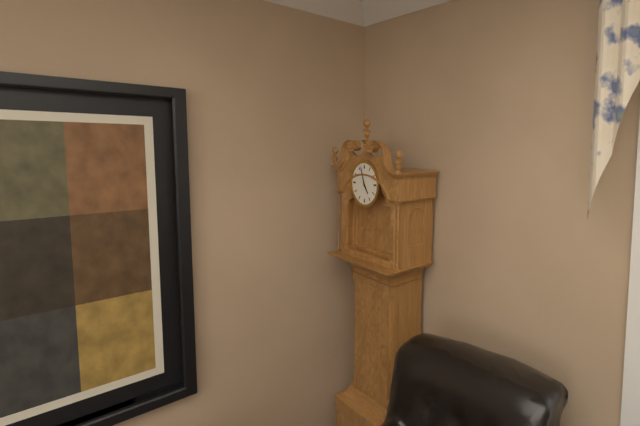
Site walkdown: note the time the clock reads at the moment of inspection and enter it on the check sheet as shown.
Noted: 4:57
